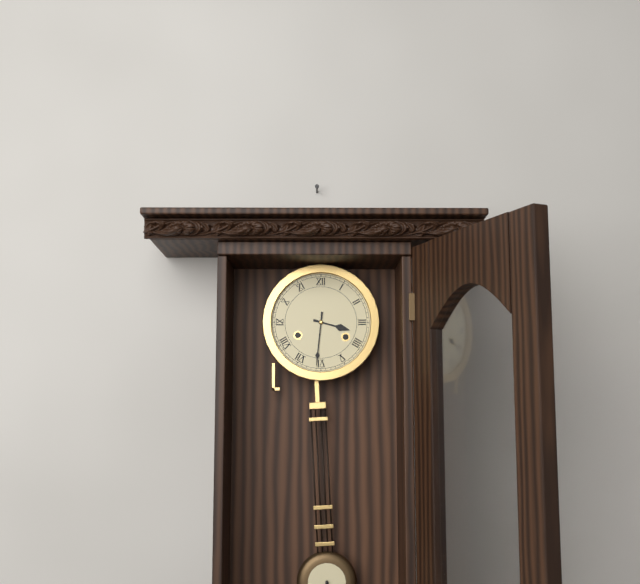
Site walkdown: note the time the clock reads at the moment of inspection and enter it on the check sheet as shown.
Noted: 3:31
